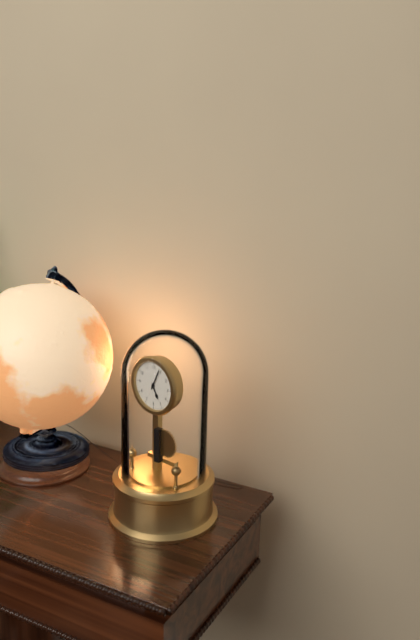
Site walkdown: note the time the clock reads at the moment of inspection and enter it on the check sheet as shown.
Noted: 5:04
